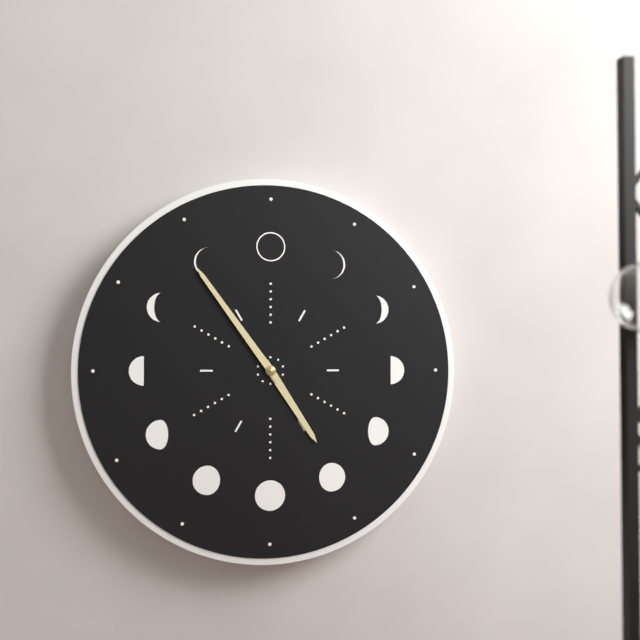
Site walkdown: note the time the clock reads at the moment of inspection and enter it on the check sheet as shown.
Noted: 4:54
